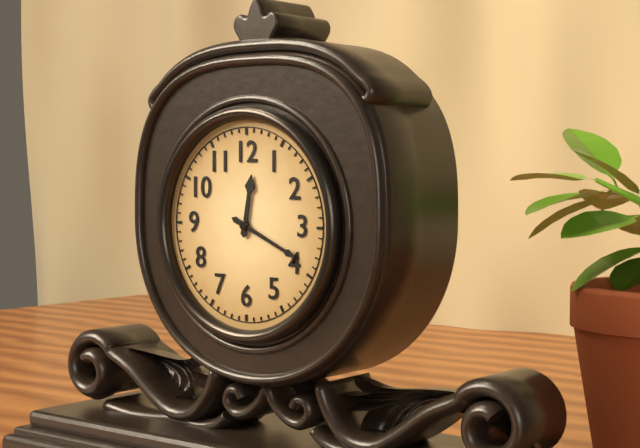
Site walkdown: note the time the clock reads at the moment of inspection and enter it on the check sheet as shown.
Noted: 12:19
